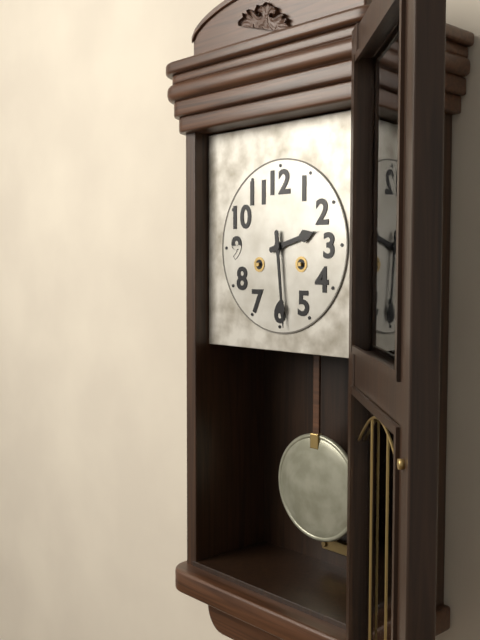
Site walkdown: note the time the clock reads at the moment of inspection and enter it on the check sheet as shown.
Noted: 2:29
